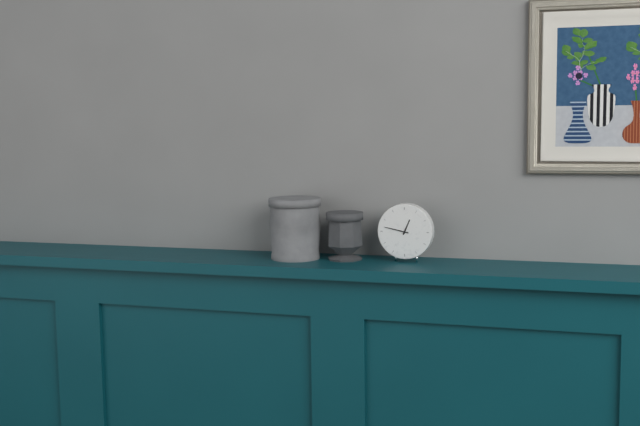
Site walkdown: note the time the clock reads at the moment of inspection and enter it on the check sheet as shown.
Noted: 12:47
